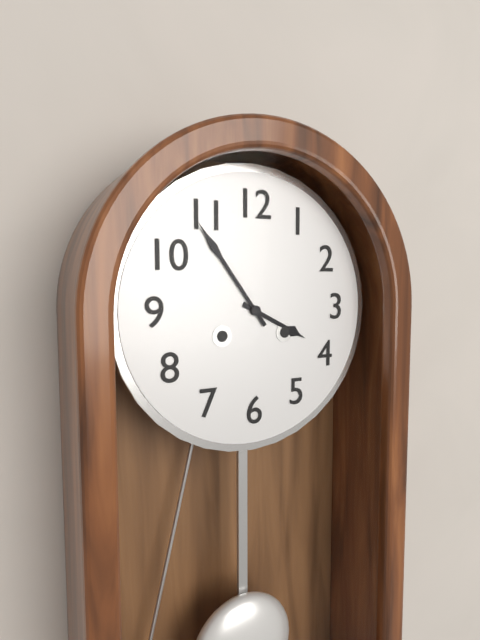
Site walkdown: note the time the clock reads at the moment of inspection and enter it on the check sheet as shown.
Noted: 3:54
